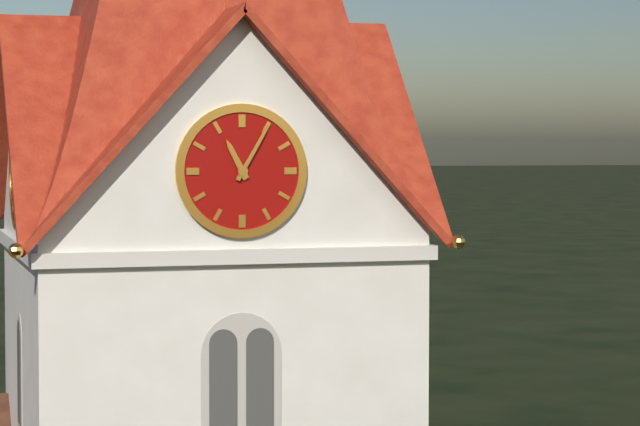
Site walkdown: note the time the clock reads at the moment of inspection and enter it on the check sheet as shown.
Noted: 11:05
